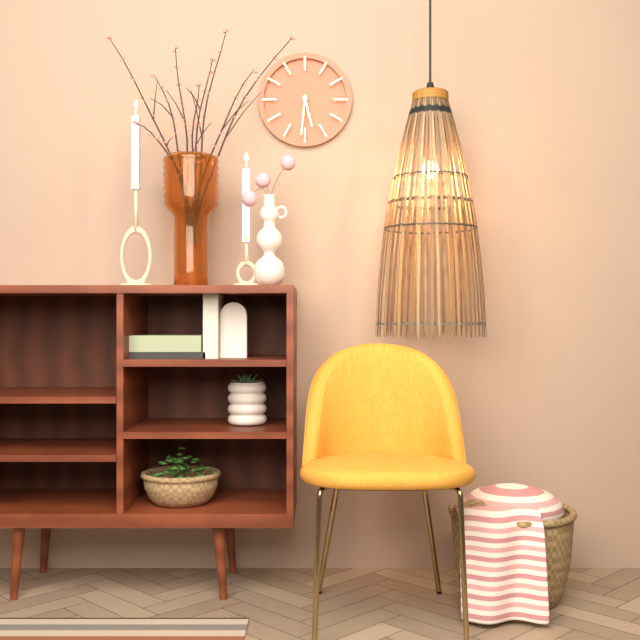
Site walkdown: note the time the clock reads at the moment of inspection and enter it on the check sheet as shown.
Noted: 5:31
